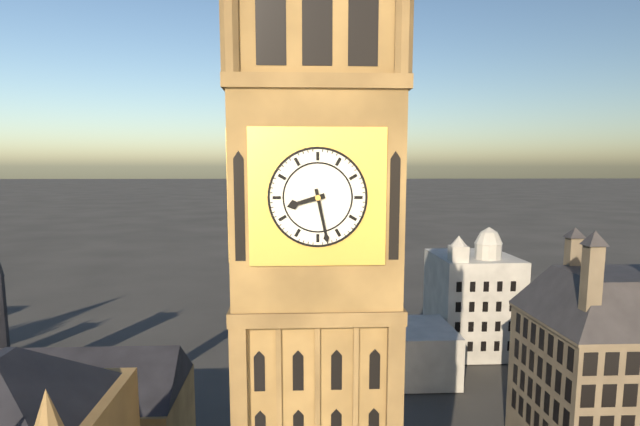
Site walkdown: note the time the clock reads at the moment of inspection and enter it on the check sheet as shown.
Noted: 8:28
